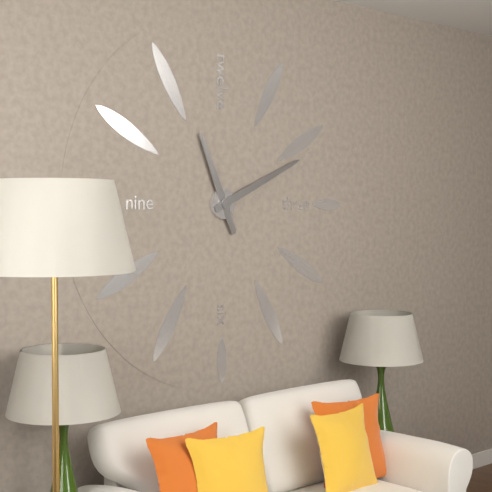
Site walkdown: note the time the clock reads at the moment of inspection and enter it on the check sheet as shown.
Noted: 11:11
